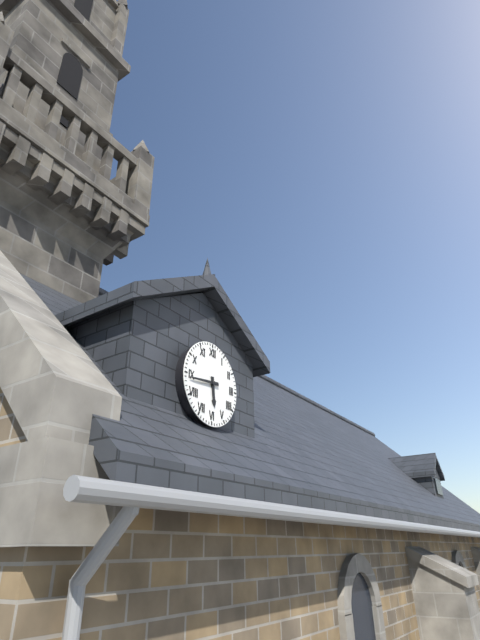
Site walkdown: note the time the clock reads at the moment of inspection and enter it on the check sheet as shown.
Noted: 5:44
